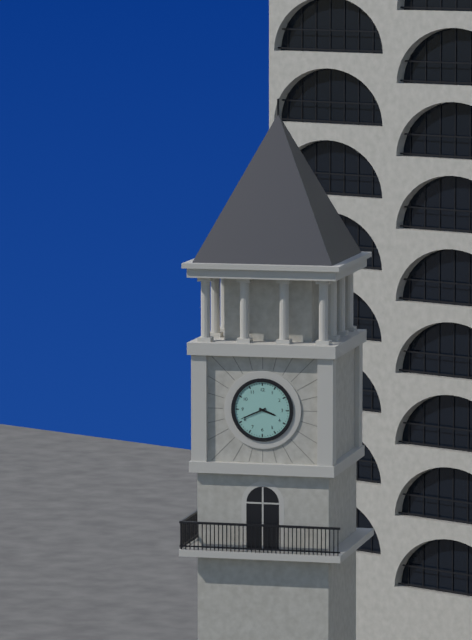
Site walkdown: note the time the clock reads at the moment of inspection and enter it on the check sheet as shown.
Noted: 3:41
